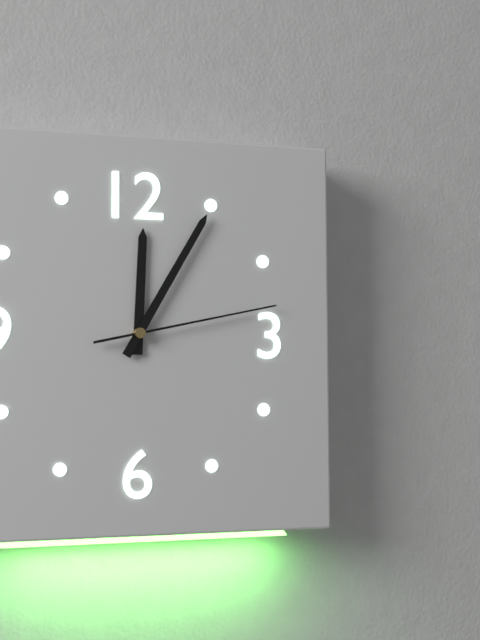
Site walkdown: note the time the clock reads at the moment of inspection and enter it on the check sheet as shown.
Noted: 12:05:13
